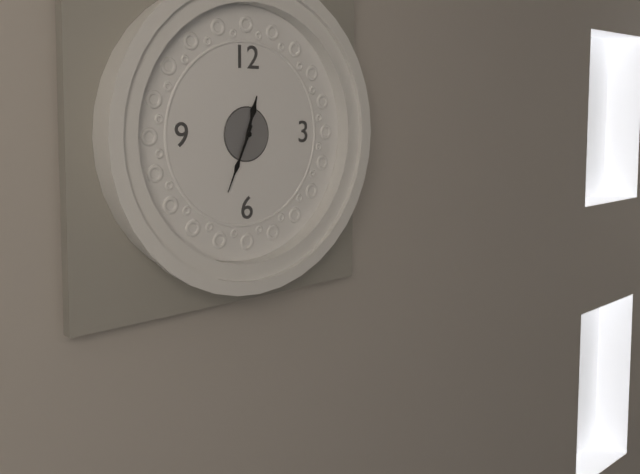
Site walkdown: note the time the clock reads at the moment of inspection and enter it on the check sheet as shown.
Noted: 12:34
